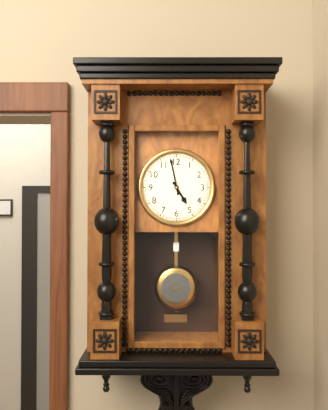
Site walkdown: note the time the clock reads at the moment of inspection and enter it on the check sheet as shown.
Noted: 4:58
